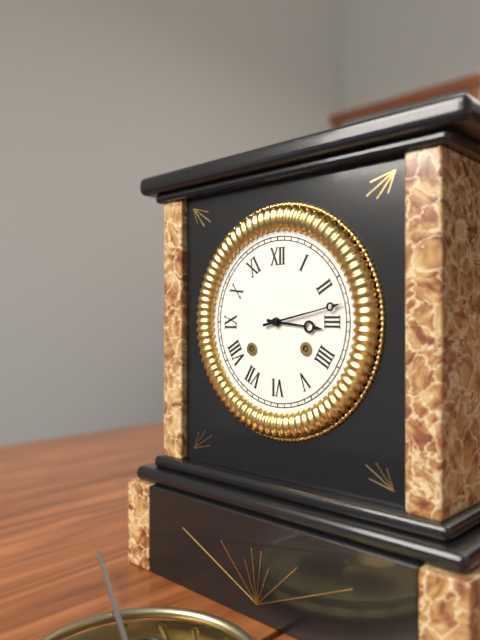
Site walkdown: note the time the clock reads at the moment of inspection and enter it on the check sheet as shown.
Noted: 3:13
